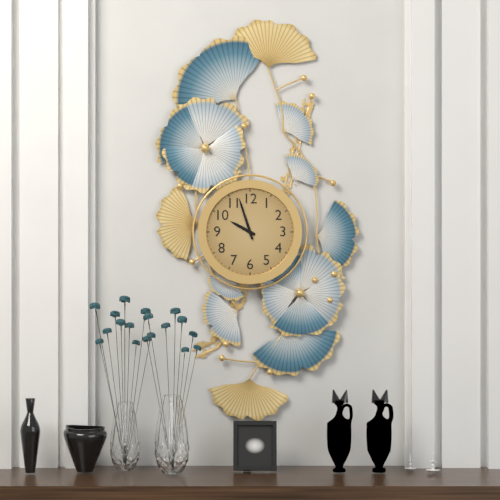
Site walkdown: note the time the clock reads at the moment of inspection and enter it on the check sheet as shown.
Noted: 9:57
